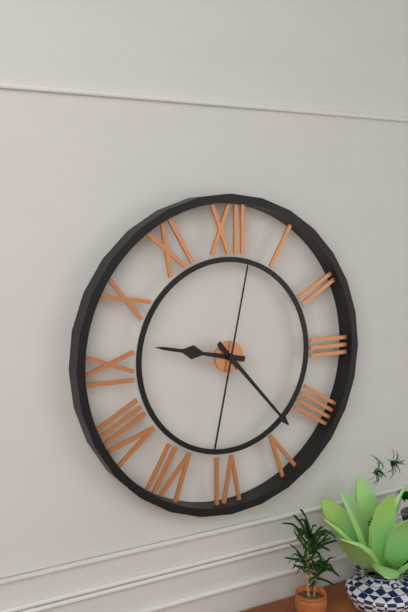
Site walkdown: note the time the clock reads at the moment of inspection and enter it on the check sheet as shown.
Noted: 9:23:02
